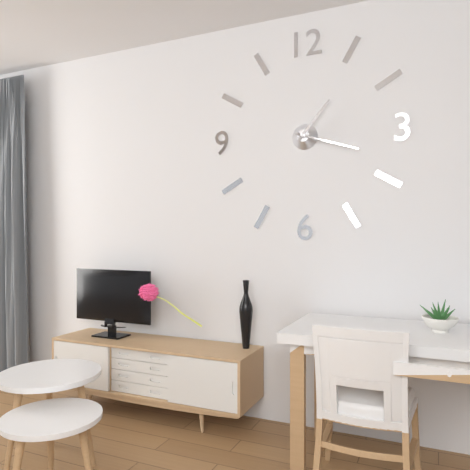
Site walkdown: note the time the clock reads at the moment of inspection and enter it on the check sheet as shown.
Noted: 1:18
